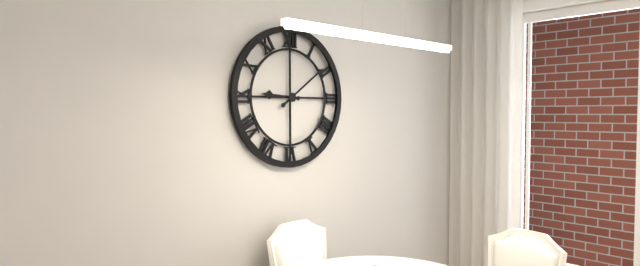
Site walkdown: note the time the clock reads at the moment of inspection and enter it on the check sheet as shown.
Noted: 9:09
